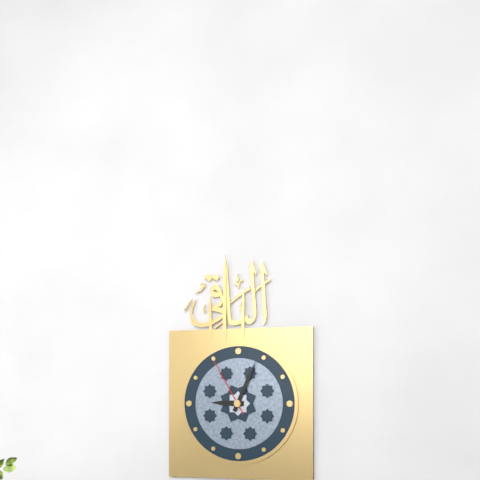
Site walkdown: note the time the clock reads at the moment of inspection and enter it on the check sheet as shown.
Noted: 9:04:55
